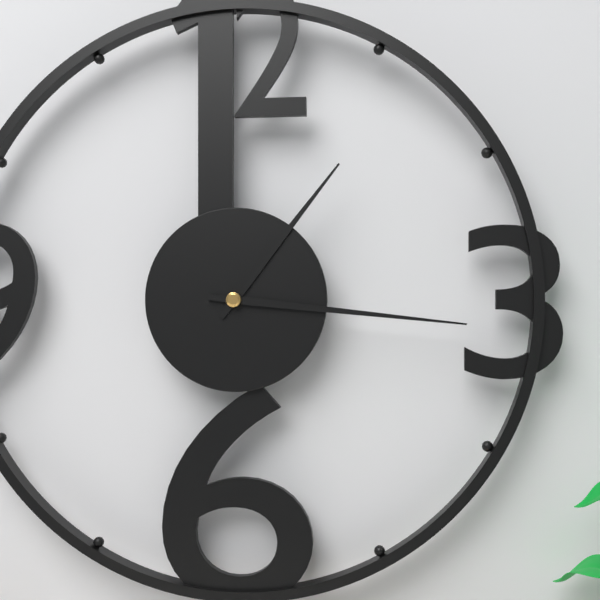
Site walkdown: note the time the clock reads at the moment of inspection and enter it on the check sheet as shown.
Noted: 1:16
